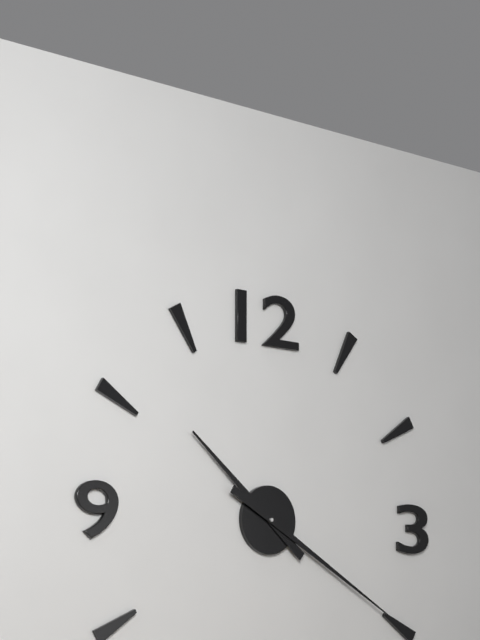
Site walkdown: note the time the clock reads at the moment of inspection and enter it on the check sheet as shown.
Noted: 10:20
